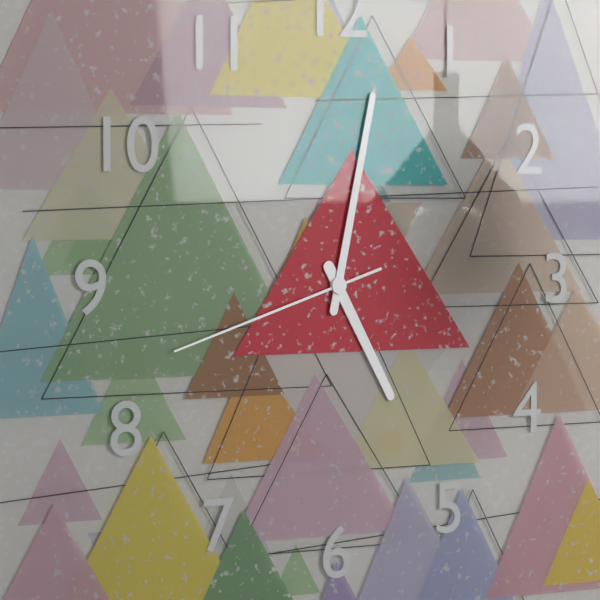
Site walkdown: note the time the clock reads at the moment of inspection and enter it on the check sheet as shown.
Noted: 5:02:42
